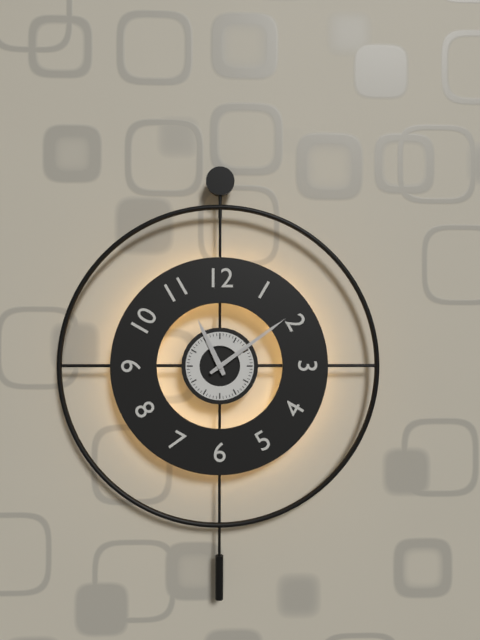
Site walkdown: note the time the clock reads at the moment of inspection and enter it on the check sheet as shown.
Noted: 11:09
